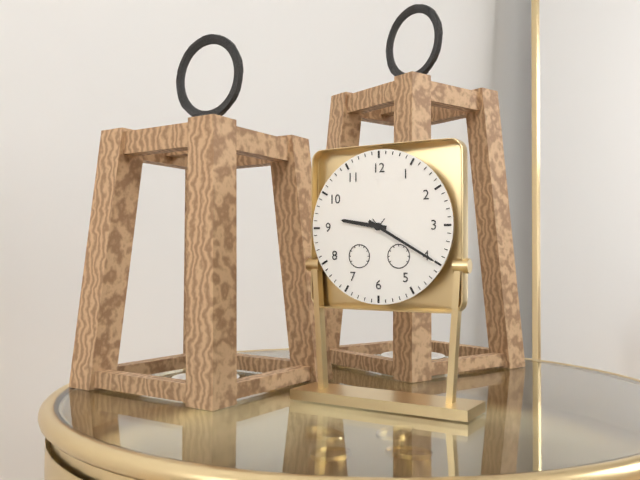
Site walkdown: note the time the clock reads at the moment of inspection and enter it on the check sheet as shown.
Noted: 9:20
